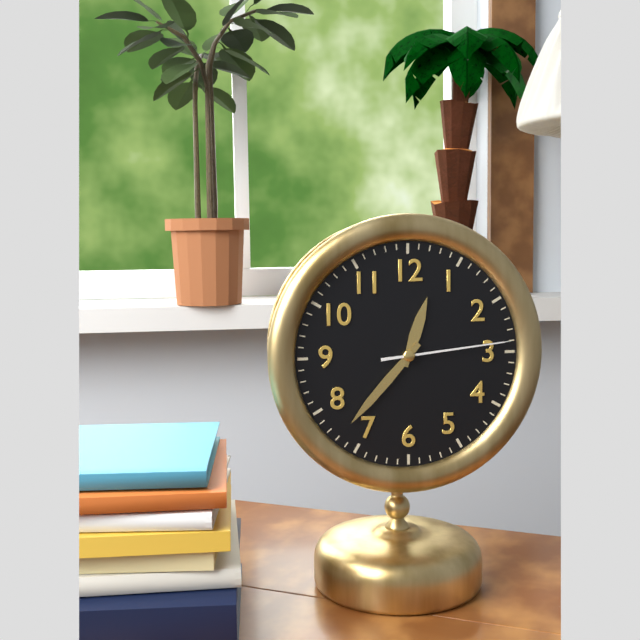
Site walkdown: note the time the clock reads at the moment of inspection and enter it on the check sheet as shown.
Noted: 12:37:14
